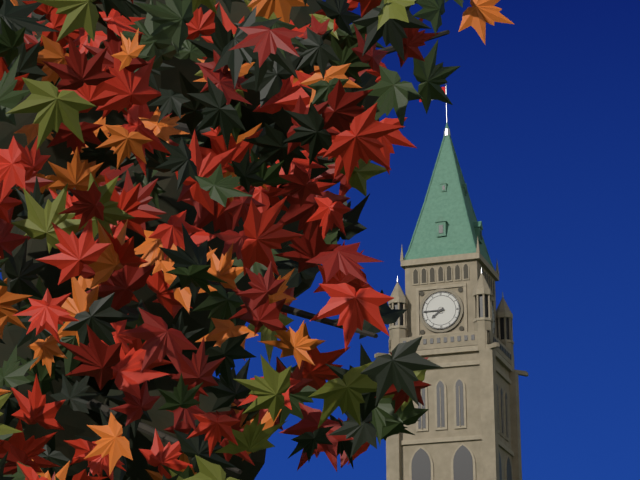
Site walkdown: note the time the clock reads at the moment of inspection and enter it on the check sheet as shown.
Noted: 7:45
